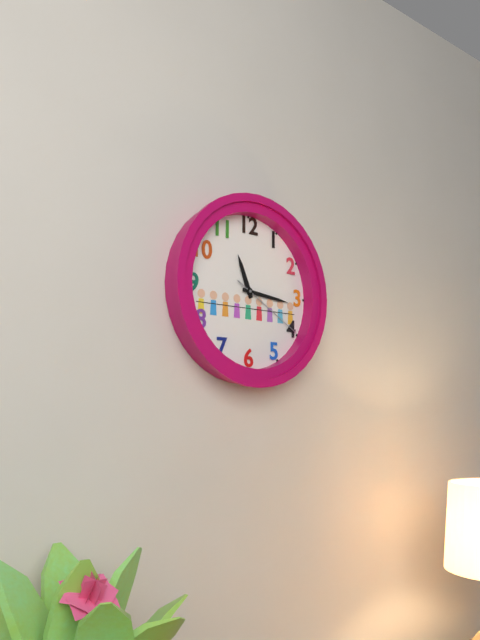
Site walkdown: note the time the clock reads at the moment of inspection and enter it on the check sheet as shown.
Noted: 11:16:20
